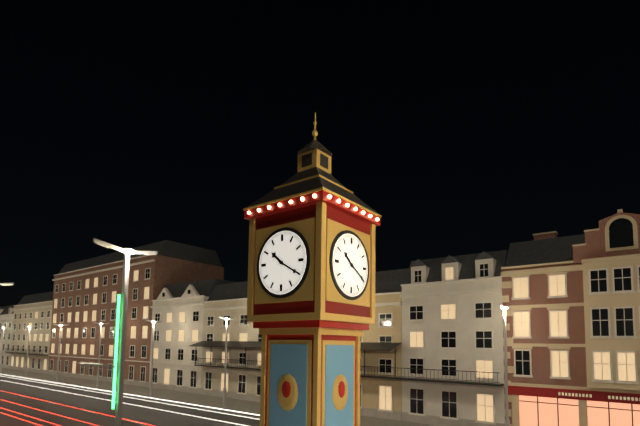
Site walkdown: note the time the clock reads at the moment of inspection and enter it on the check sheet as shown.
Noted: 10:20
